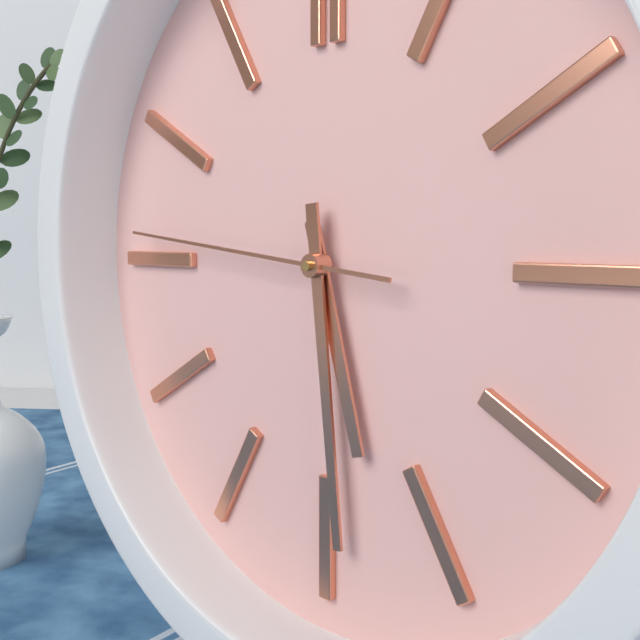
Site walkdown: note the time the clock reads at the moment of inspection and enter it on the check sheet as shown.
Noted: 5:29:46
